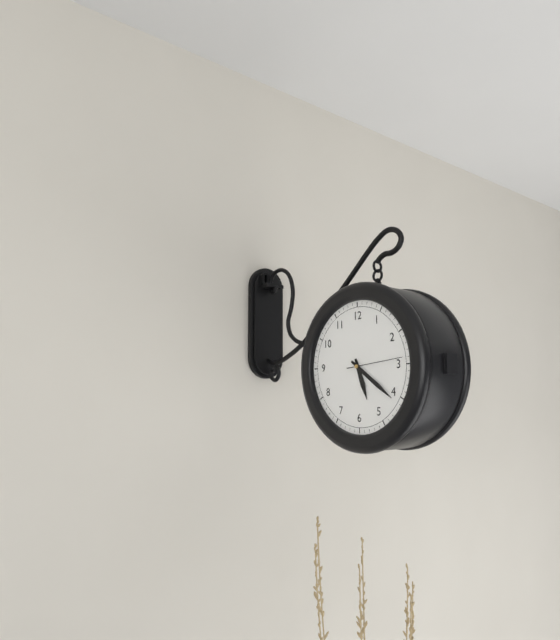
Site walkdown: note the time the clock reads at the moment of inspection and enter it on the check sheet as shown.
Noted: 5:21:14
